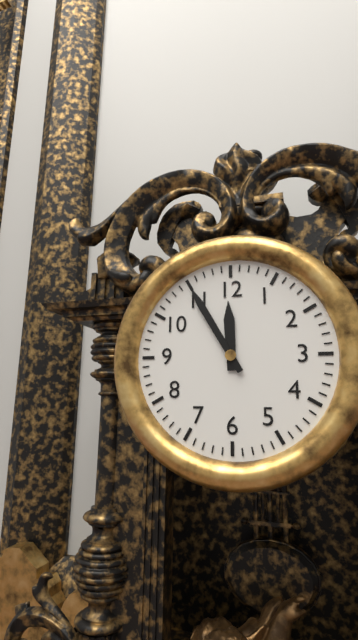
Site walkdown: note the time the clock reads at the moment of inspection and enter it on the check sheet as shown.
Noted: 11:55
